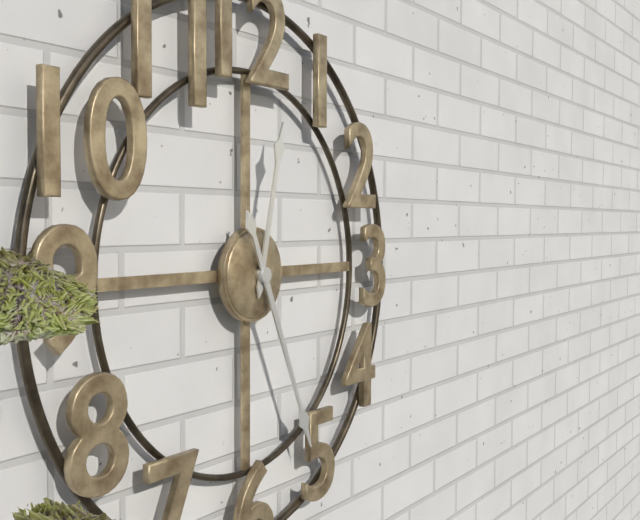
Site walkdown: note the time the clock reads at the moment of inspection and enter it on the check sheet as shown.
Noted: 12:26
